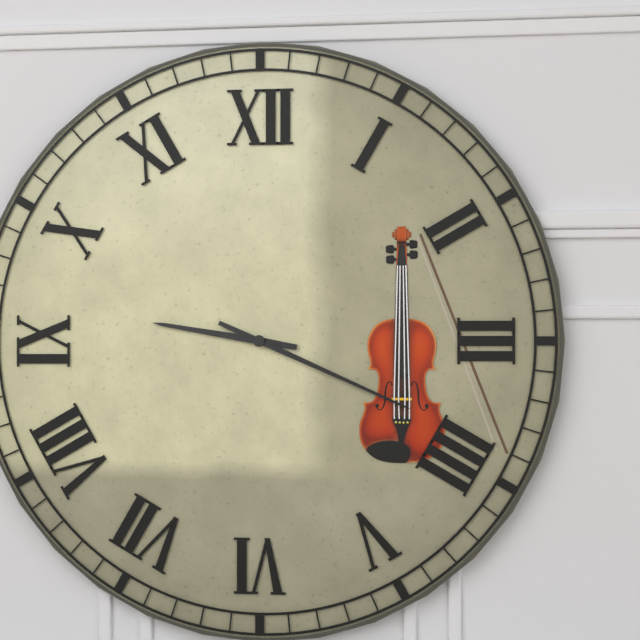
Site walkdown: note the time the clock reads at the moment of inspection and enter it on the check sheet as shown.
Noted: 9:19
